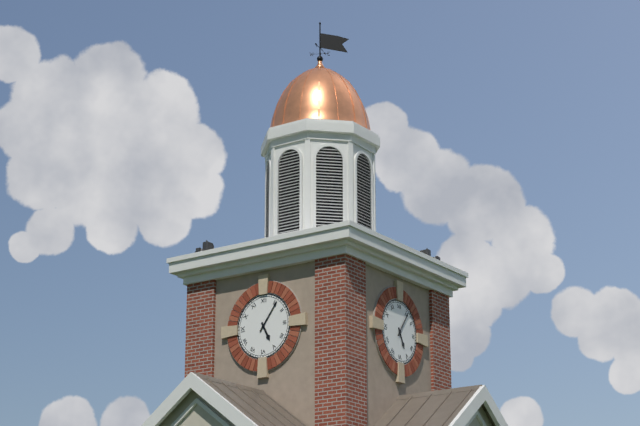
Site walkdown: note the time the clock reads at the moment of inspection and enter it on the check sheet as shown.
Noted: 5:06
